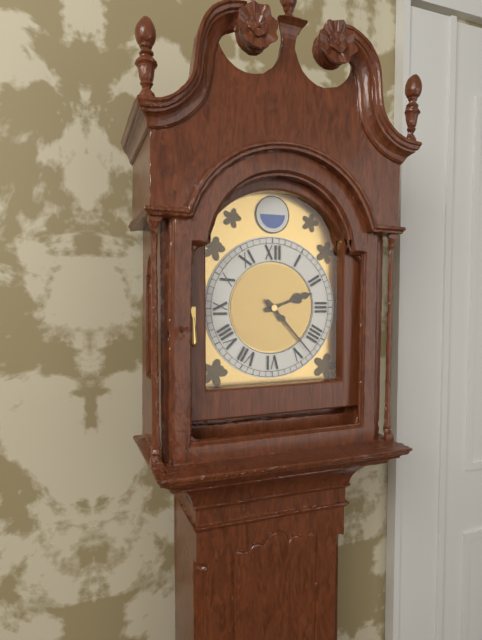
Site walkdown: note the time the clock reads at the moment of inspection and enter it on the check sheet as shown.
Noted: 2:23
